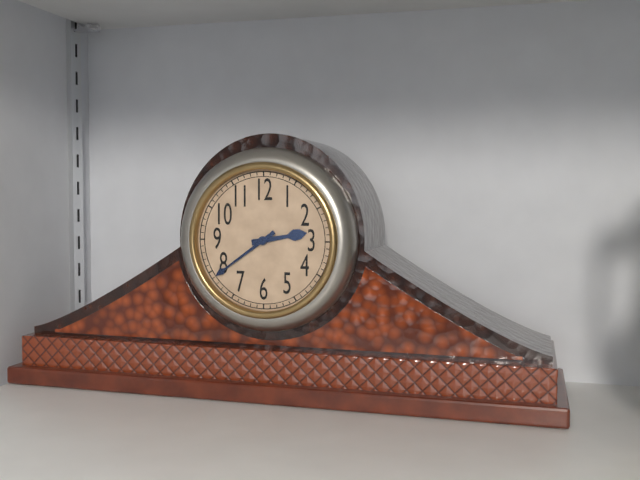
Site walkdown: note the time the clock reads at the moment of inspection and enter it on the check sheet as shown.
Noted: 2:39
